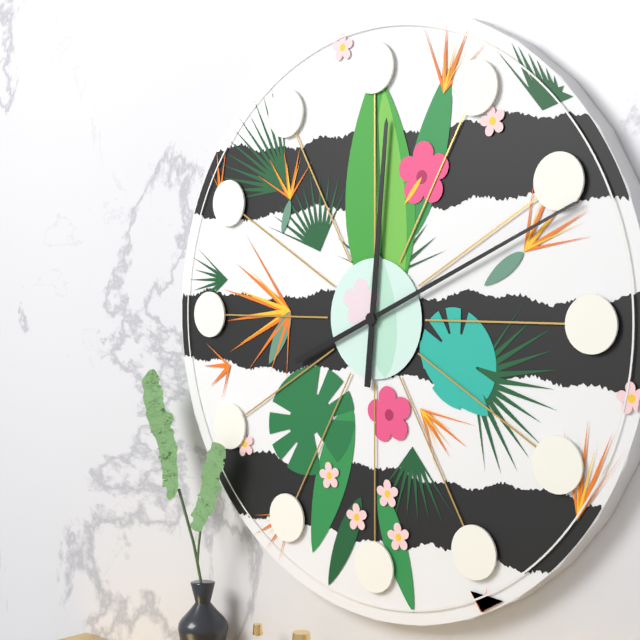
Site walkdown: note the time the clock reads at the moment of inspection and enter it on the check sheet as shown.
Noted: 12:11
